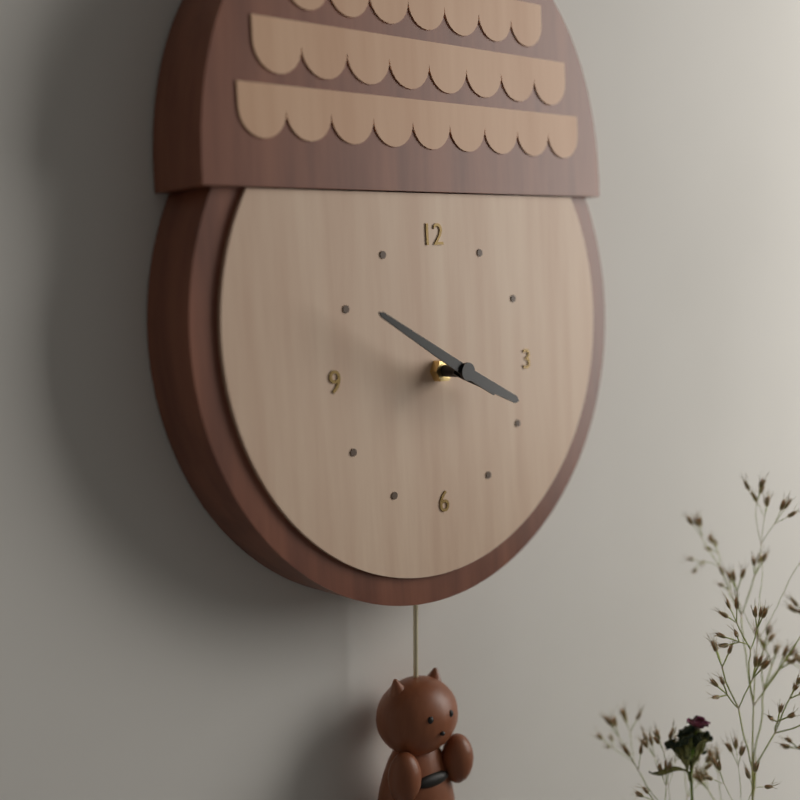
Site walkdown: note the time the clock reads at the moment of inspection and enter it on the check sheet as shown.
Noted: 3:50
